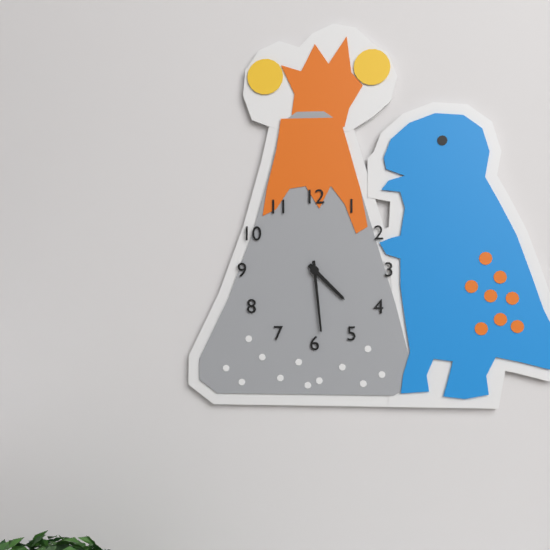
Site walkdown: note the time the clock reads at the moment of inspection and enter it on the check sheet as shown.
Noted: 4:29
